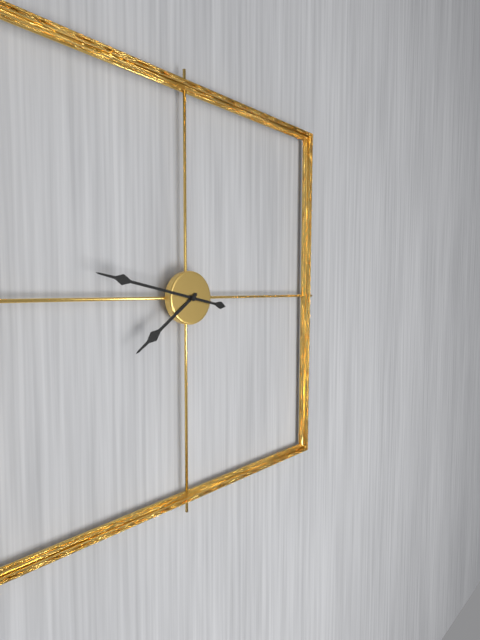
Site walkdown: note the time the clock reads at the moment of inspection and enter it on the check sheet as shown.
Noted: 7:47
